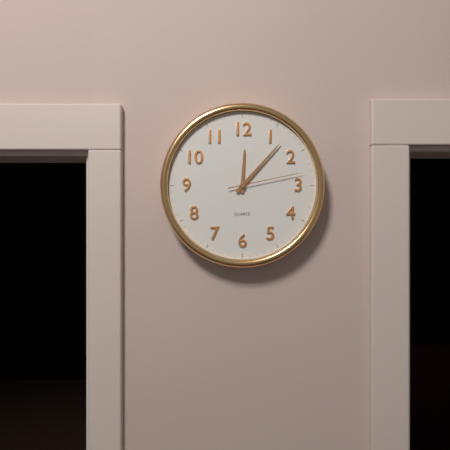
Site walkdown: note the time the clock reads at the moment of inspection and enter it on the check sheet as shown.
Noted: 12:07:13
